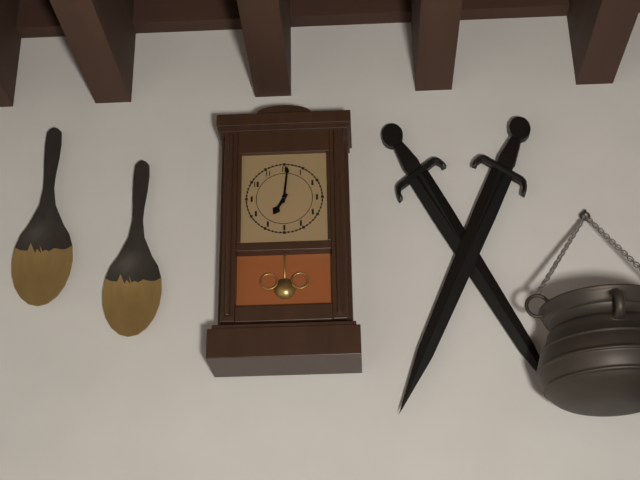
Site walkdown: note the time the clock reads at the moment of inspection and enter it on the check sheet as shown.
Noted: 7:01
